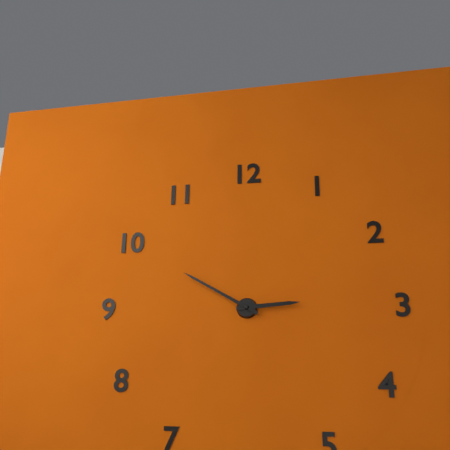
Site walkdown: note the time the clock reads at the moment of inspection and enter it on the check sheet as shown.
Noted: 2:50
